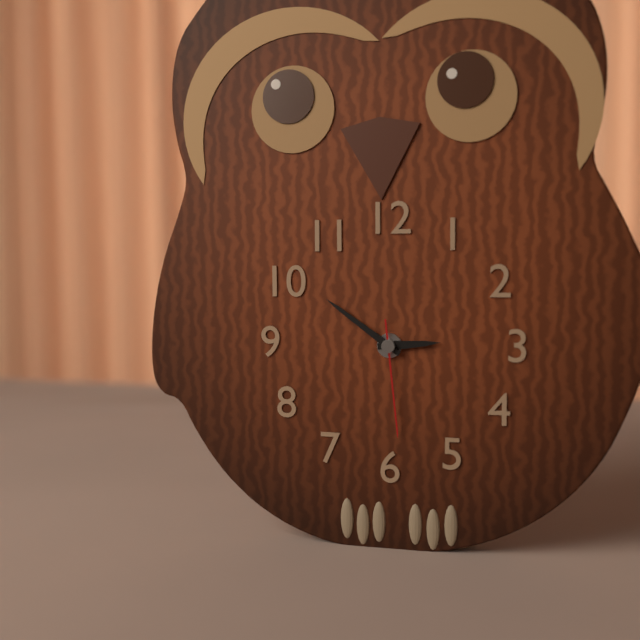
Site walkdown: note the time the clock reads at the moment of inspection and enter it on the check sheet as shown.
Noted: 2:51:29
